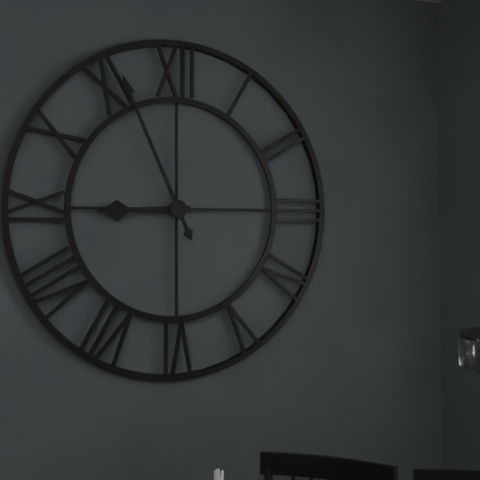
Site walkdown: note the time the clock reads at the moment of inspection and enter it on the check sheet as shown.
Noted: 8:56
